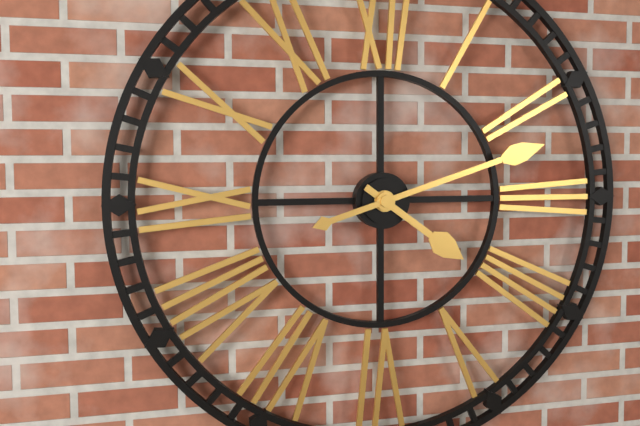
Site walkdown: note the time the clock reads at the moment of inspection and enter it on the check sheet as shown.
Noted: 4:12
